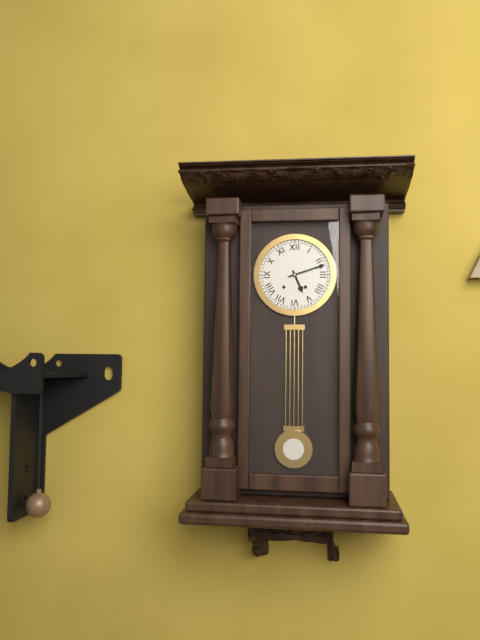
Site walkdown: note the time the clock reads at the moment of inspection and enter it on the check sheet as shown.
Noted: 5:12
